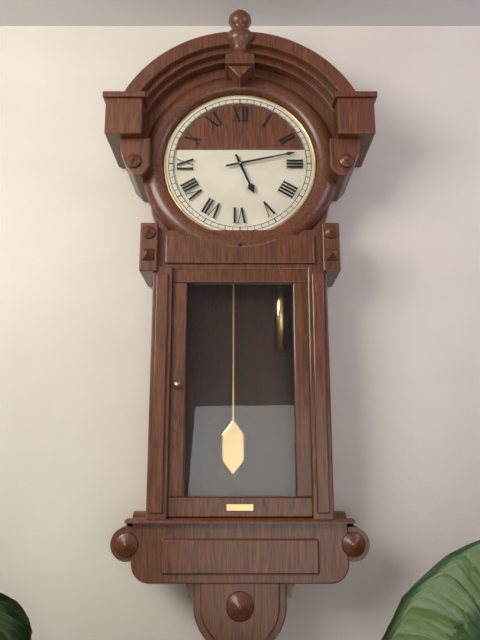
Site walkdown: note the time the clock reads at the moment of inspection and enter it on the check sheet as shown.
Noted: 5:13
